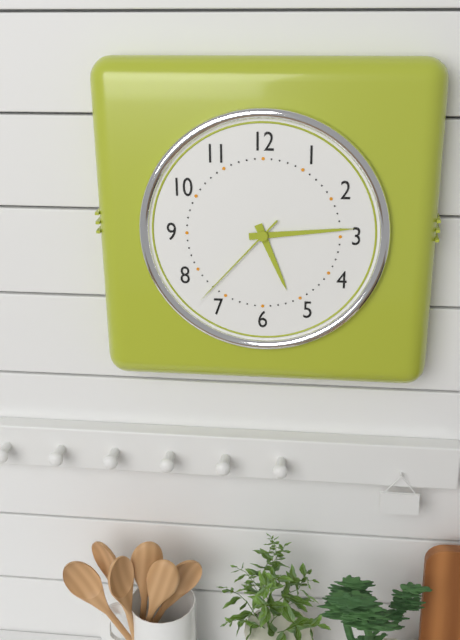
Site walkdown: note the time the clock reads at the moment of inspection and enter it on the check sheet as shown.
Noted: 5:14:37
